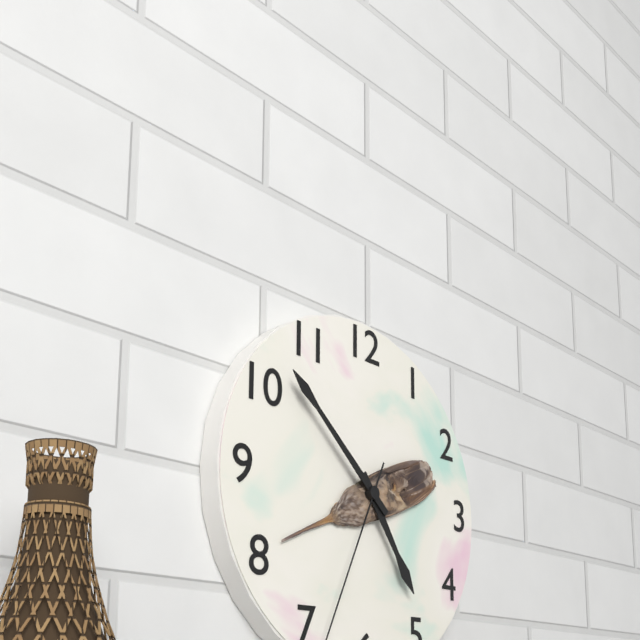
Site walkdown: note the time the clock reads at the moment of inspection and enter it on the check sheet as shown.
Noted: 4:52
